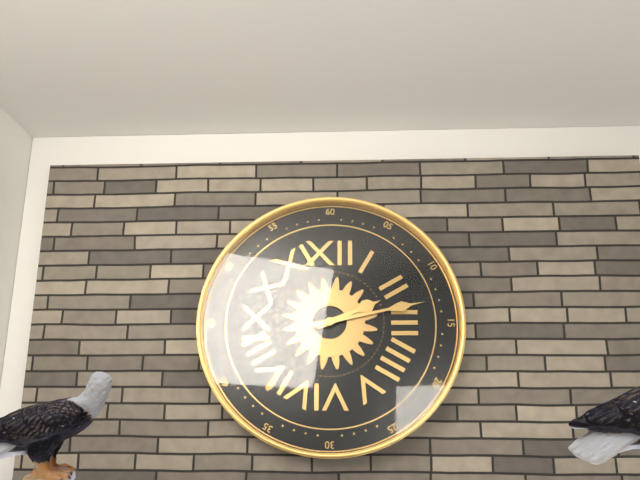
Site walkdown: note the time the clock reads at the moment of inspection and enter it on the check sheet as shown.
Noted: 2:13
